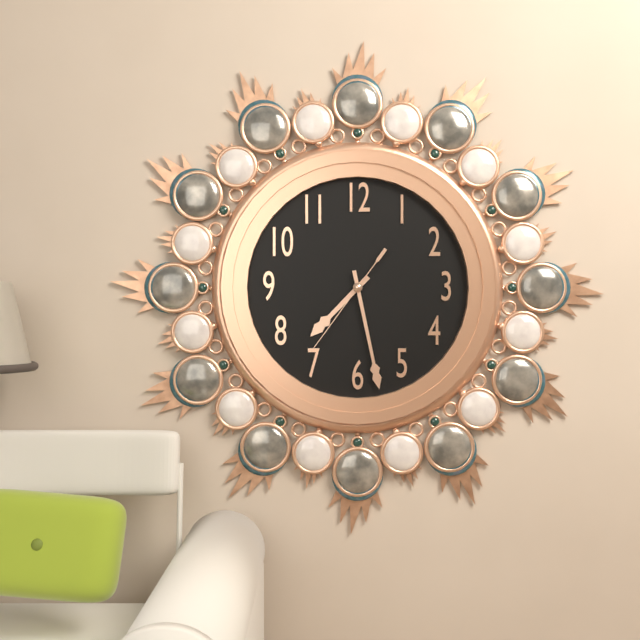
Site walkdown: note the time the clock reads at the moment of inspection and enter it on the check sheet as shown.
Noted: 7:28:36
